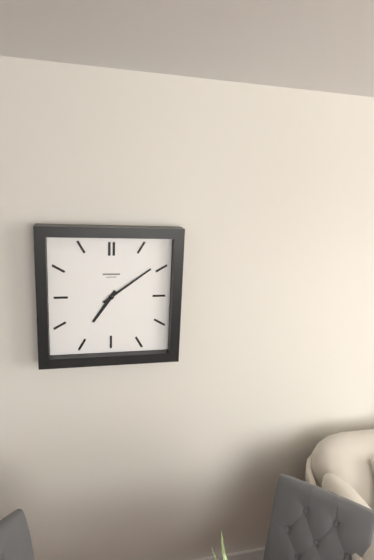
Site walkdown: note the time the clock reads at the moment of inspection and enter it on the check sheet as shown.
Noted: 7:09
